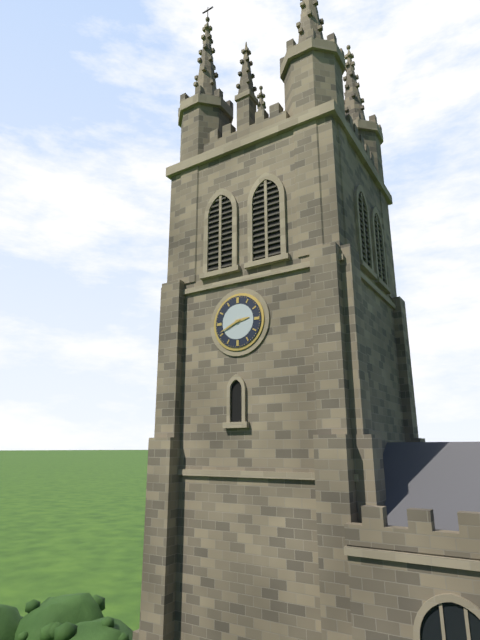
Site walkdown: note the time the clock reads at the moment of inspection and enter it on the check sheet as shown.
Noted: 2:41
